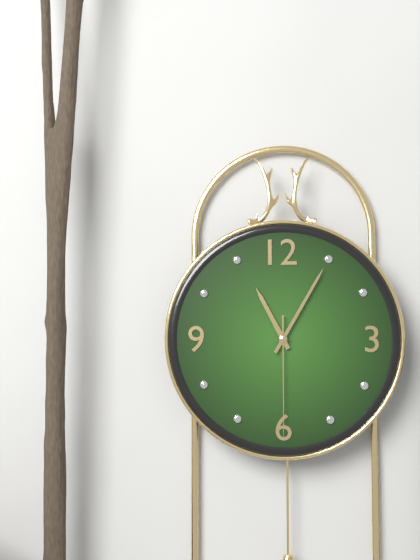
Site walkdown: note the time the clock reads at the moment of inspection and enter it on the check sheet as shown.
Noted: 11:05:30
